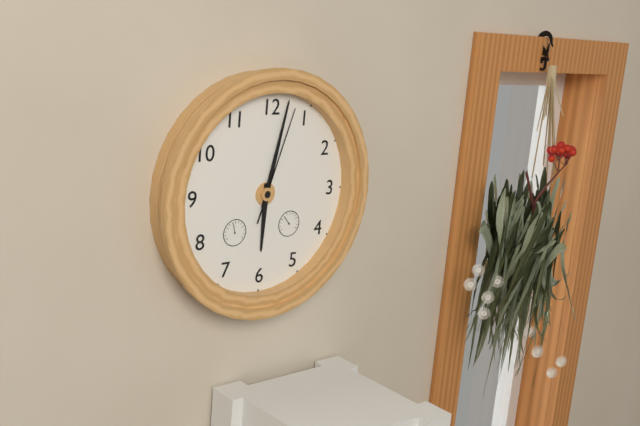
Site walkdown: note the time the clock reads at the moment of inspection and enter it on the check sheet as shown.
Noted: 6:02:03
